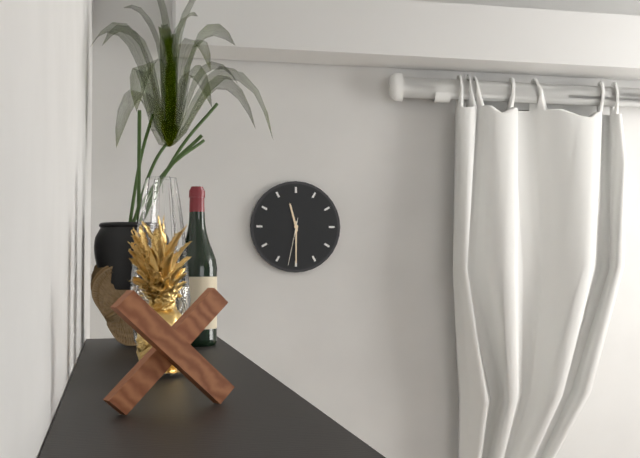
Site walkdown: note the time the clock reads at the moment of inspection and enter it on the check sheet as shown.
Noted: 11:30
